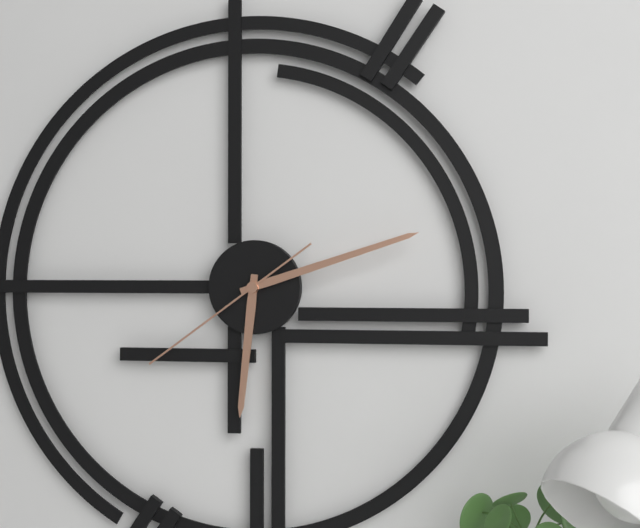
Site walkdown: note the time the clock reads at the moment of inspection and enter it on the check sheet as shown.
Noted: 6:12:39
